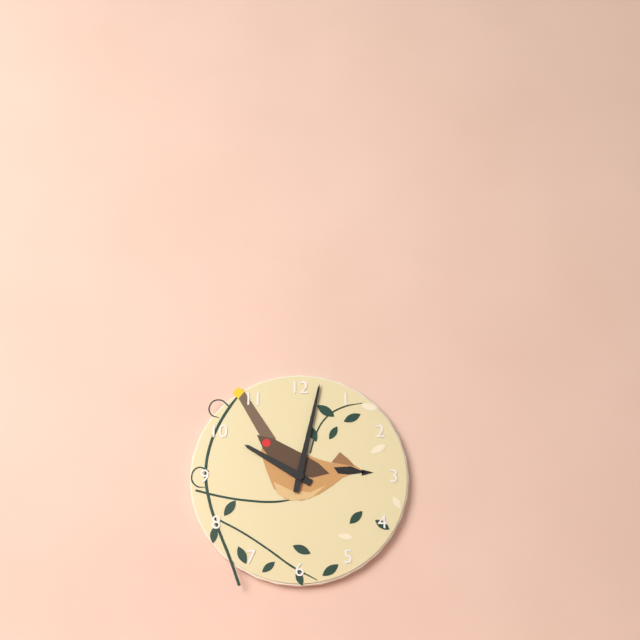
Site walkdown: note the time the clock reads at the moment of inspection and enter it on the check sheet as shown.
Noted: 10:02
